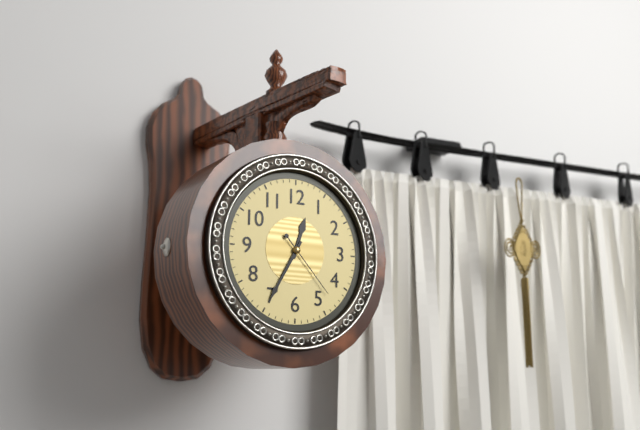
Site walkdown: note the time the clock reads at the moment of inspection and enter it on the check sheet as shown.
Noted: 12:35:23
